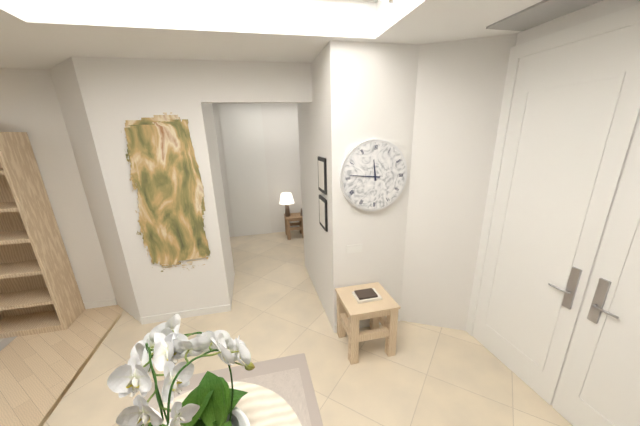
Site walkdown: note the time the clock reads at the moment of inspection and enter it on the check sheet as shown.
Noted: 11:46
